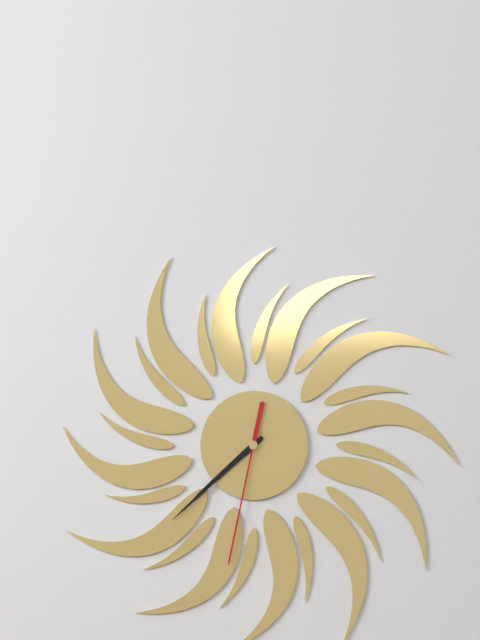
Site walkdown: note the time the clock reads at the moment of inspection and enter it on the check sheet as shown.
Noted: 7:38:32
